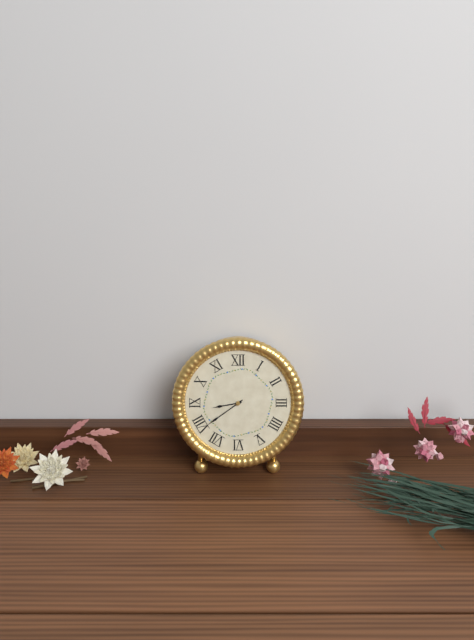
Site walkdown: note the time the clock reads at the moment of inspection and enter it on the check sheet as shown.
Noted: 8:39
